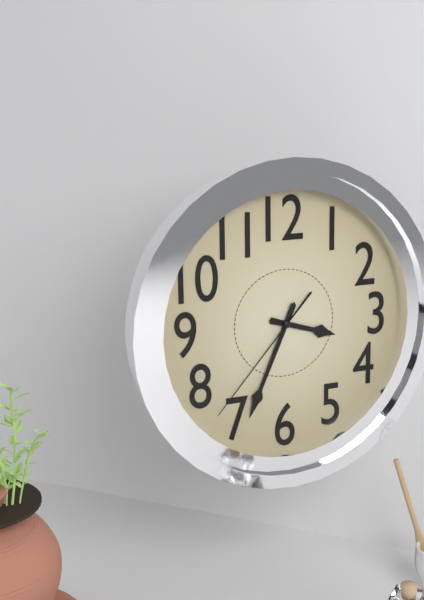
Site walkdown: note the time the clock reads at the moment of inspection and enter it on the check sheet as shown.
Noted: 3:34:37
